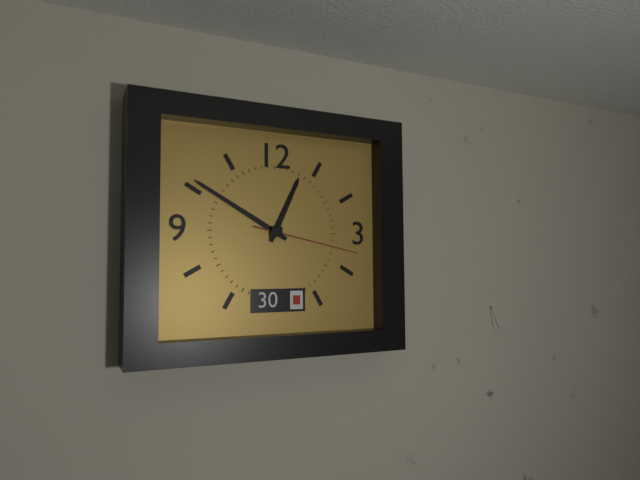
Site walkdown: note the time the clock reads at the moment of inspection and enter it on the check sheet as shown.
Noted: 12:50:17
